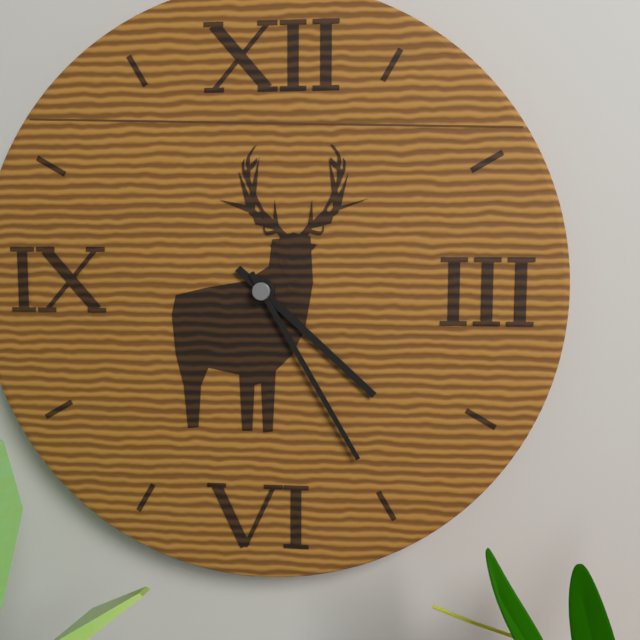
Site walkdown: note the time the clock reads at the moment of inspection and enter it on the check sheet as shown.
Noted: 4:25
